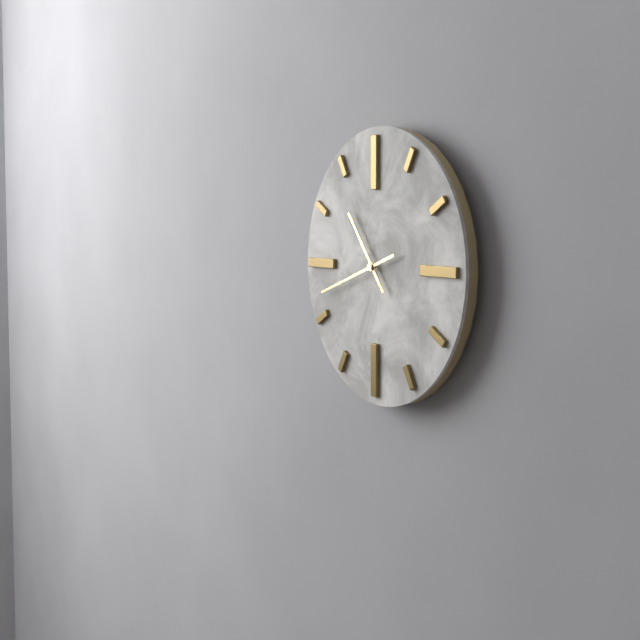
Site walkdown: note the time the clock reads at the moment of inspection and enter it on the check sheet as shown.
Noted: 10:42
